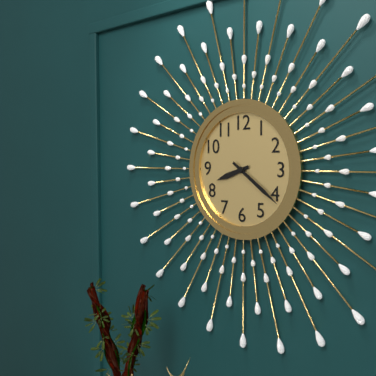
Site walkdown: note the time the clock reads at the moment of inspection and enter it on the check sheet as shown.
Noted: 8:21
